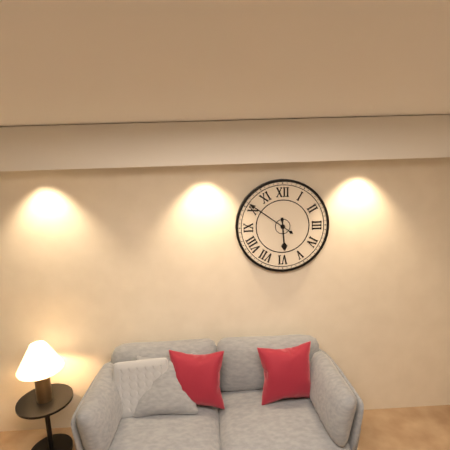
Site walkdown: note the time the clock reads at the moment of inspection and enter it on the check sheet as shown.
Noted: 5:51
